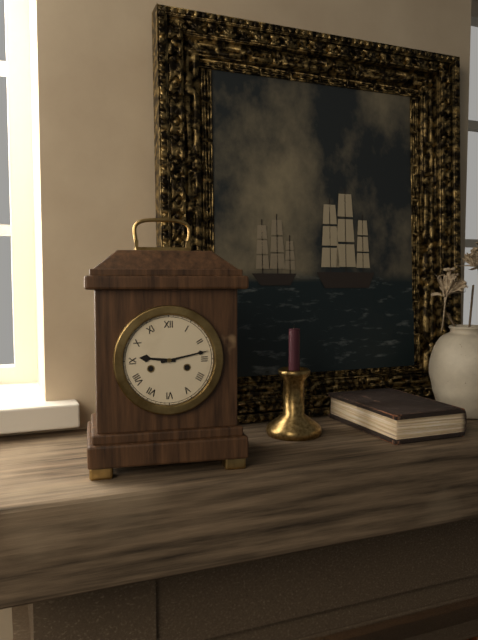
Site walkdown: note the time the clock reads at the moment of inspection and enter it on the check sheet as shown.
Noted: 9:13
